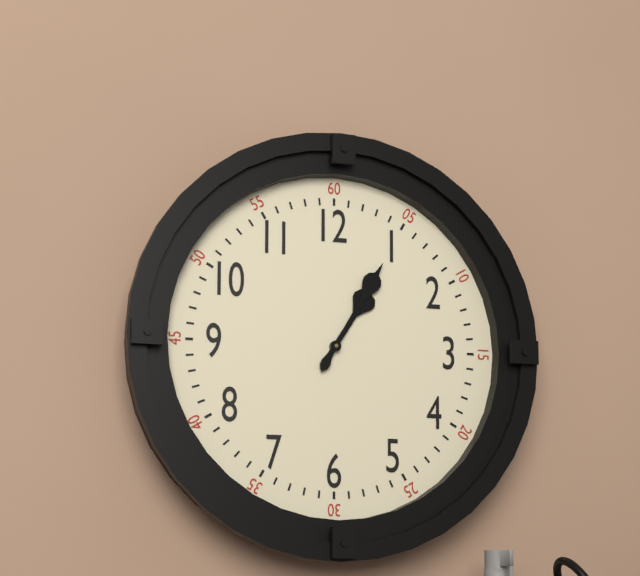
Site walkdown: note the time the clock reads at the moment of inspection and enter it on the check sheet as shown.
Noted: 1:05
